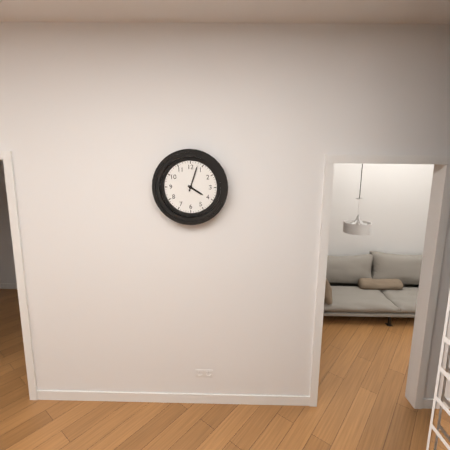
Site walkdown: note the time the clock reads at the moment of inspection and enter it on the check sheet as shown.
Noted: 4:03
